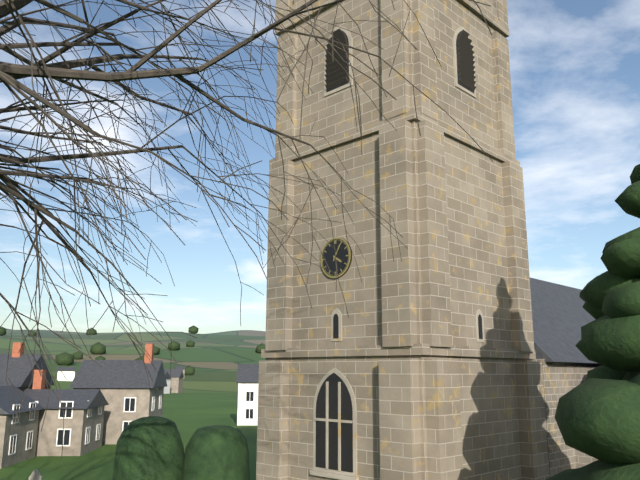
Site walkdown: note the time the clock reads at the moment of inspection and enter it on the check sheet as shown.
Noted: 4:05
